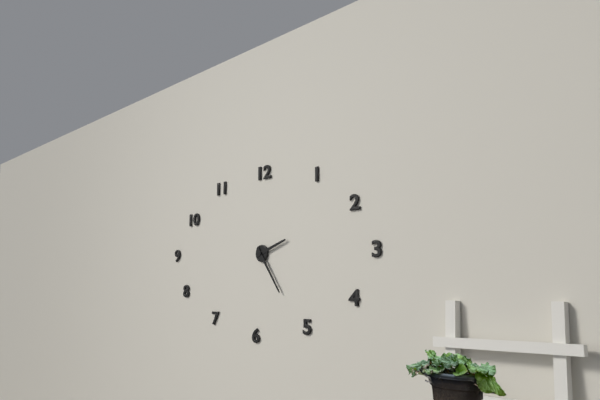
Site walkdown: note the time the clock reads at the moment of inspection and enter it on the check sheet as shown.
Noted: 2:24
